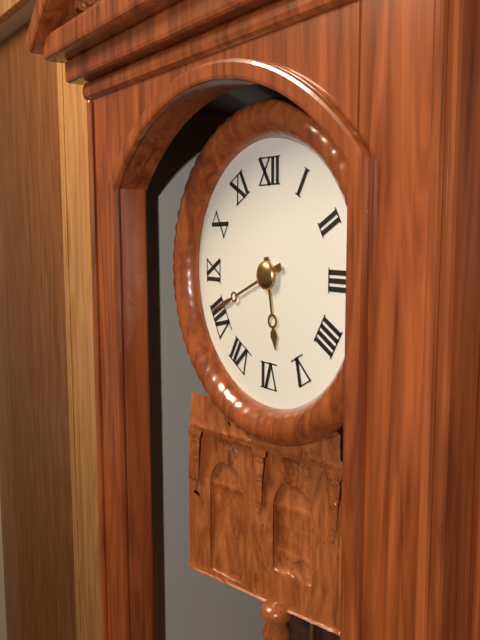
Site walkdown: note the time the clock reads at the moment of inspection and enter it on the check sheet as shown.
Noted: 5:41
